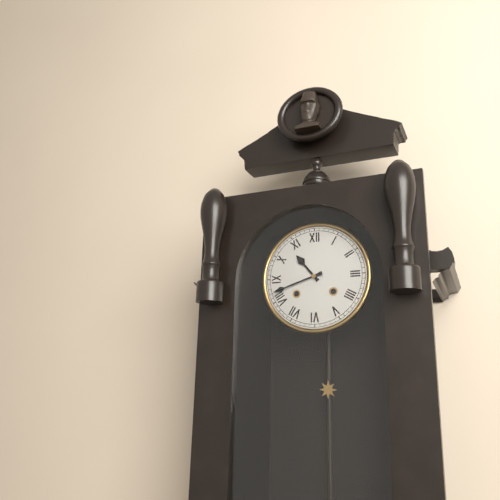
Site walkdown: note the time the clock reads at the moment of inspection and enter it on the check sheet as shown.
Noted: 10:42
